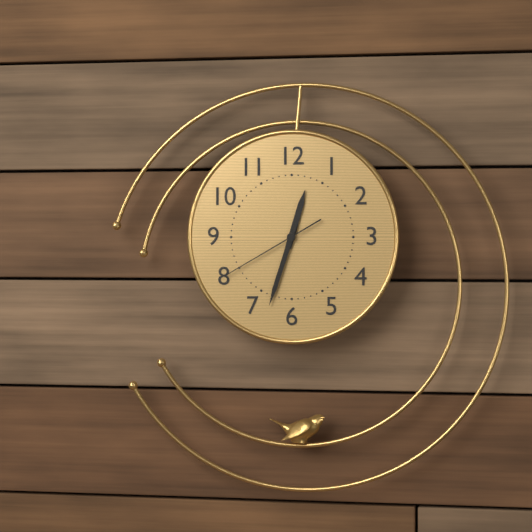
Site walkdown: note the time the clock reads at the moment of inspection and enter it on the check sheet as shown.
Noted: 12:33:40
